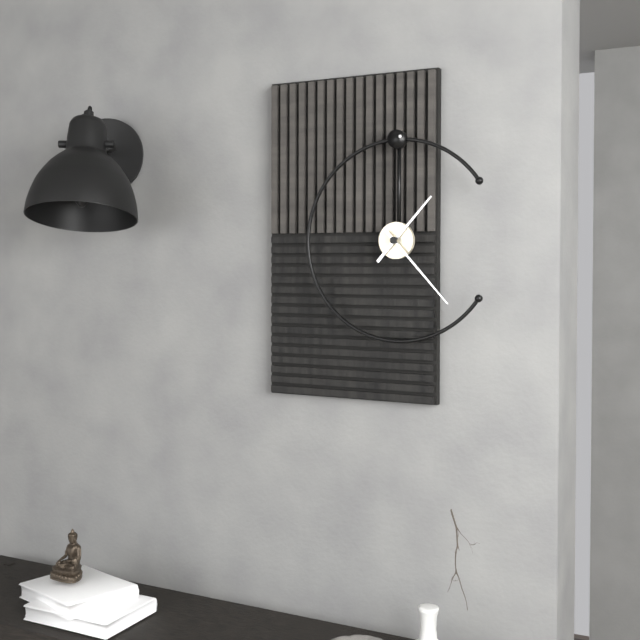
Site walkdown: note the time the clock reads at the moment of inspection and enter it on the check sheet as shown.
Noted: 1:23
